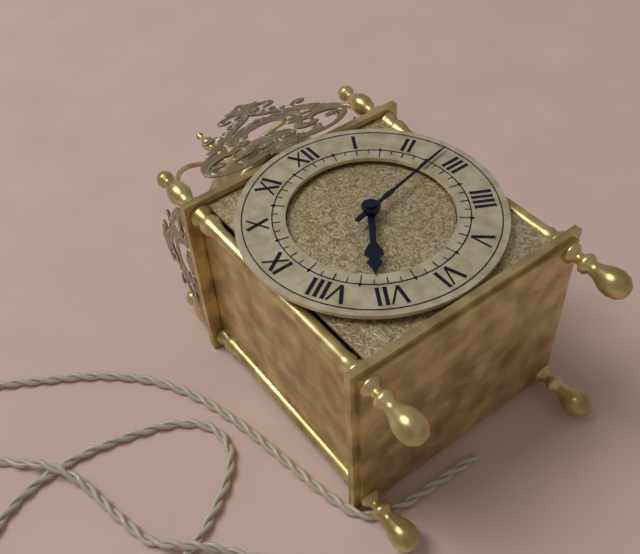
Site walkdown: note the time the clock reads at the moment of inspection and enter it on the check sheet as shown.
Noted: 7:13
